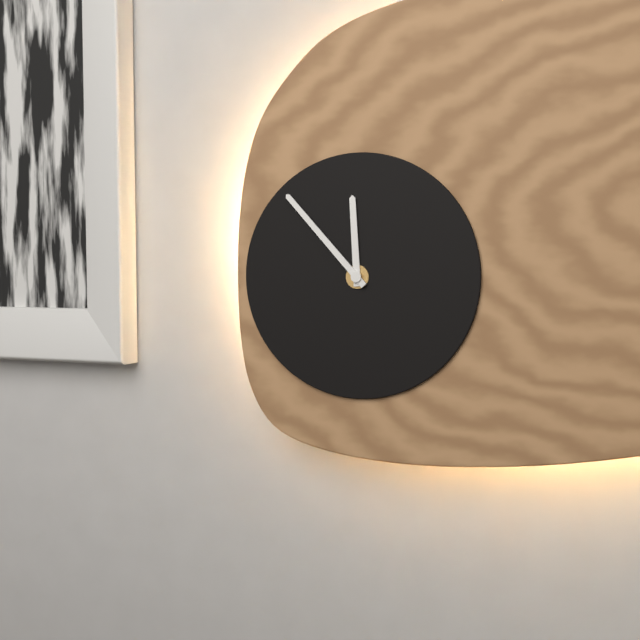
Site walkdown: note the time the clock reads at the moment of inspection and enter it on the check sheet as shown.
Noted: 11:53
